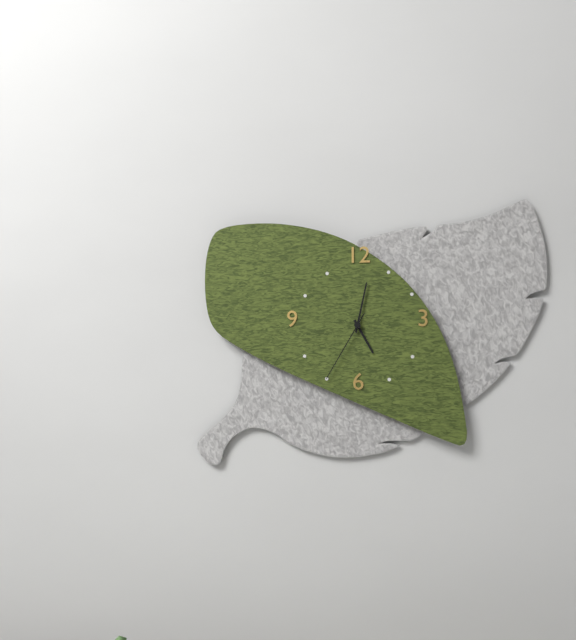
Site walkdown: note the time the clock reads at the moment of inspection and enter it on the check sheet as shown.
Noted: 5:02:35
